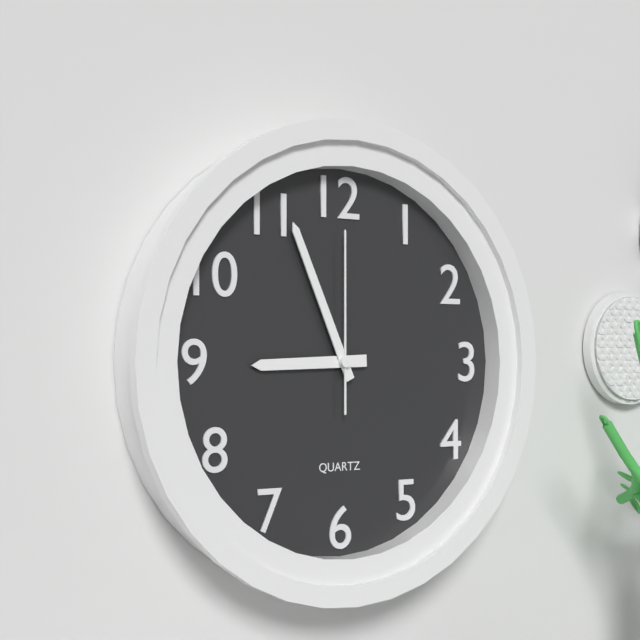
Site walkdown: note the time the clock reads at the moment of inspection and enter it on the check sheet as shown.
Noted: 8:56:00
